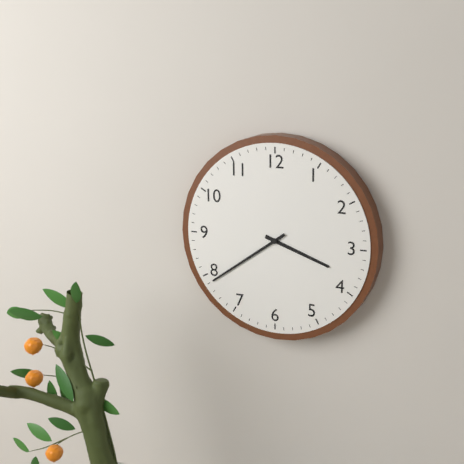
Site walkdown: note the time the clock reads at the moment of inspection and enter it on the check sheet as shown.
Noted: 3:39
